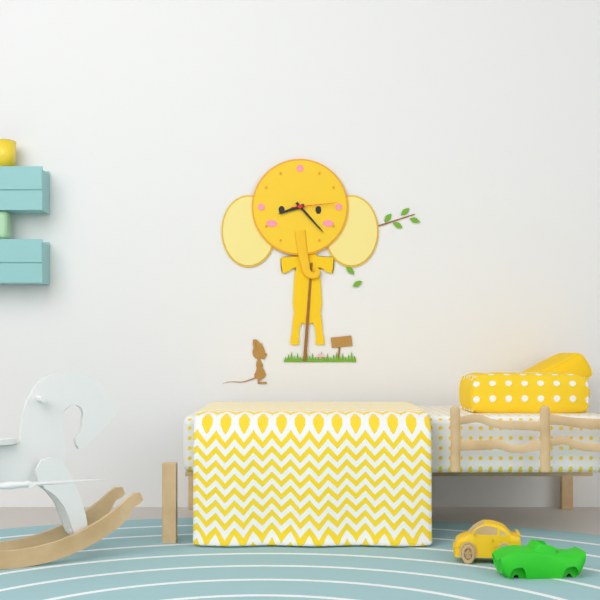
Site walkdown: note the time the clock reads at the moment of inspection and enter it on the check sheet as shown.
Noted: 8:23
